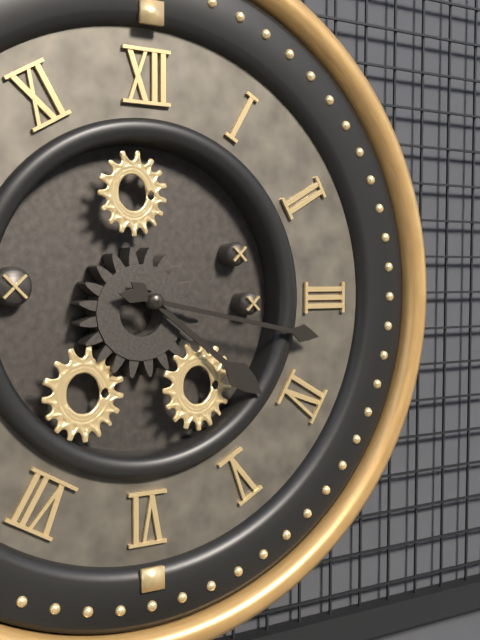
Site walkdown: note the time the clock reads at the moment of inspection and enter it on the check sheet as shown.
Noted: 4:17
